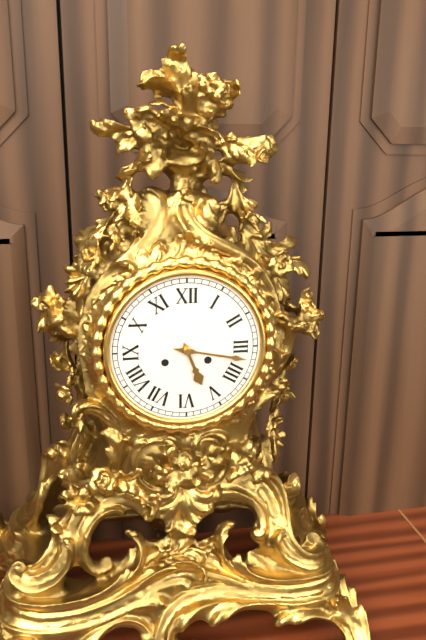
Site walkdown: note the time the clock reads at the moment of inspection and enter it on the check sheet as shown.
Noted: 5:17
